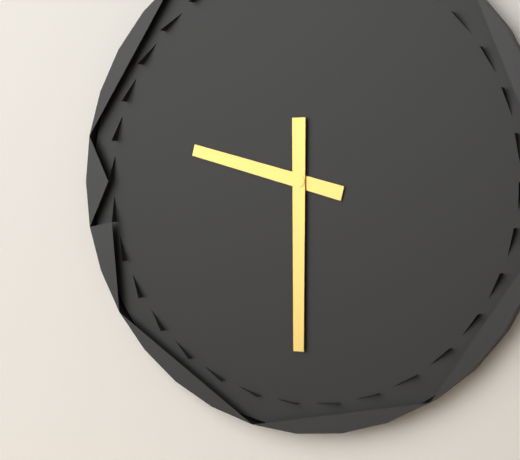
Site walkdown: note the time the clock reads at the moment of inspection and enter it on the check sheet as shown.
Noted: 9:30
